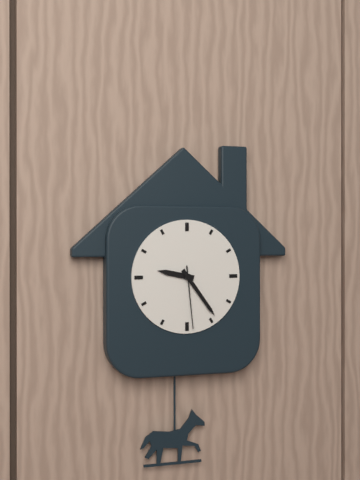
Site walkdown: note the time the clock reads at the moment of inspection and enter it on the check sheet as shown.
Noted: 9:24:29
